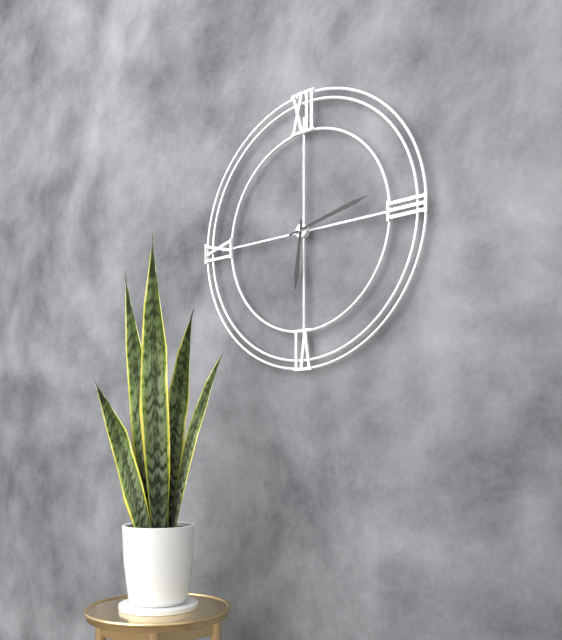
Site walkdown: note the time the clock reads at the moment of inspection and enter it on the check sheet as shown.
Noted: 6:13
